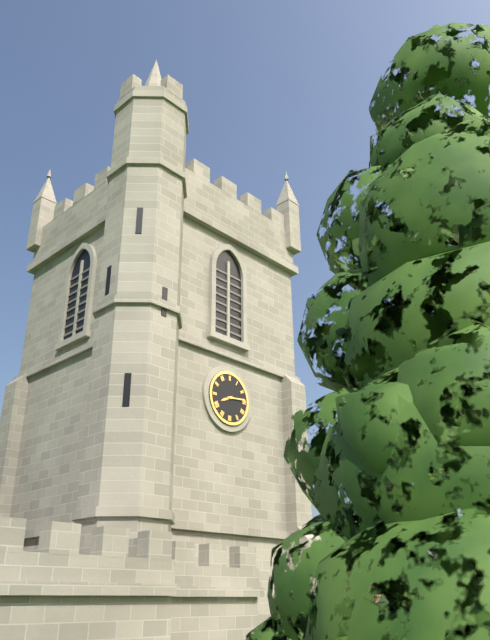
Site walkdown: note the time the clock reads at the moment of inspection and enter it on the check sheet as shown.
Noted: 8:14
